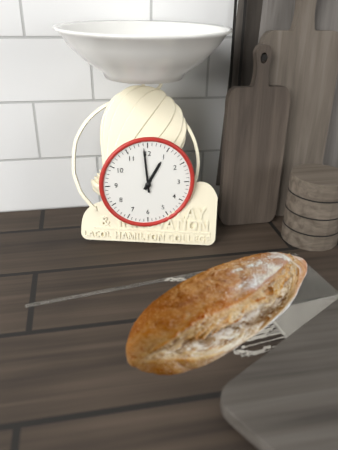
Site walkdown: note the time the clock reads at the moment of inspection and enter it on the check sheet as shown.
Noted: 12:59
